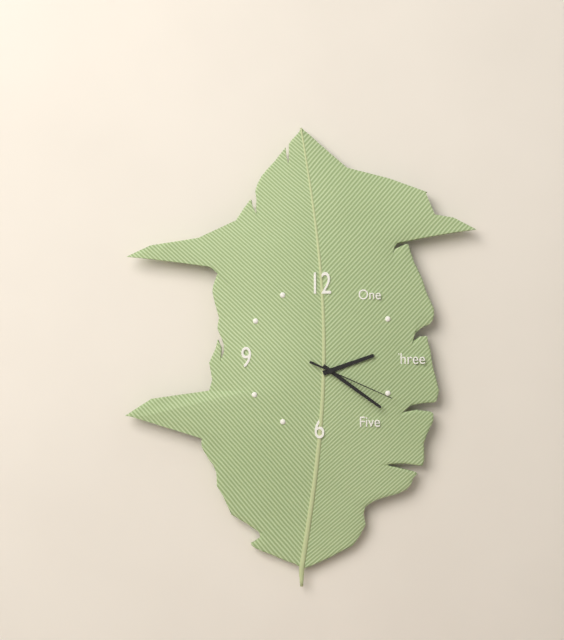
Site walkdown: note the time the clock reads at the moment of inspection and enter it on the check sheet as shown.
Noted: 2:21:19
